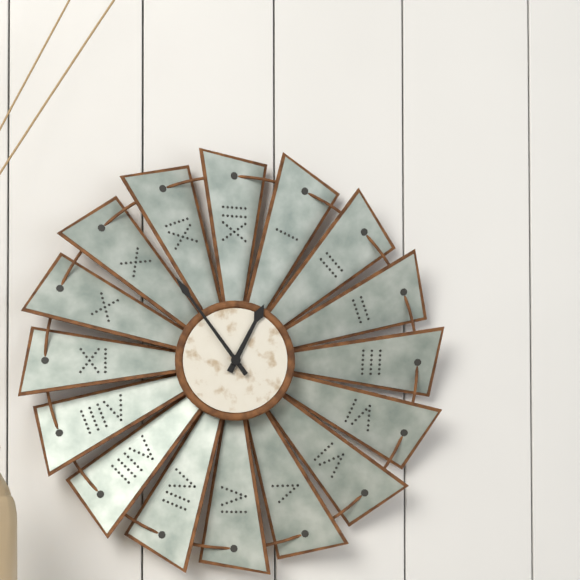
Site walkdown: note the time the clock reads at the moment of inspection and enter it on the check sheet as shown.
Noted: 12:54
